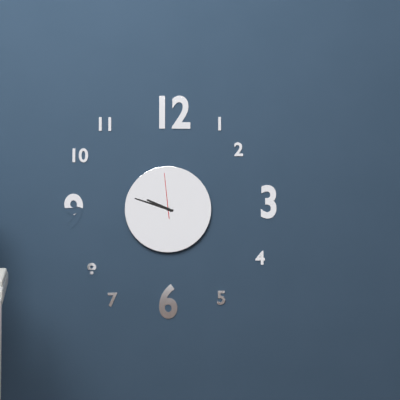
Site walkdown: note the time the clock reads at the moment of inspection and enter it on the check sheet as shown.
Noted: 9:48
